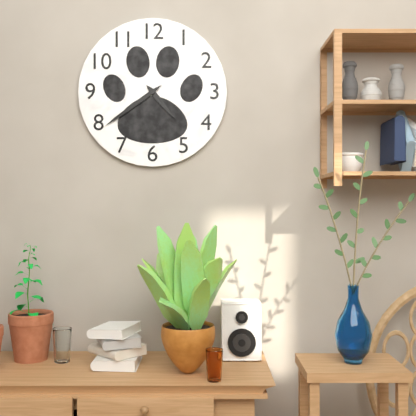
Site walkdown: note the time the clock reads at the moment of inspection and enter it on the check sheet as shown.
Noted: 4:39
